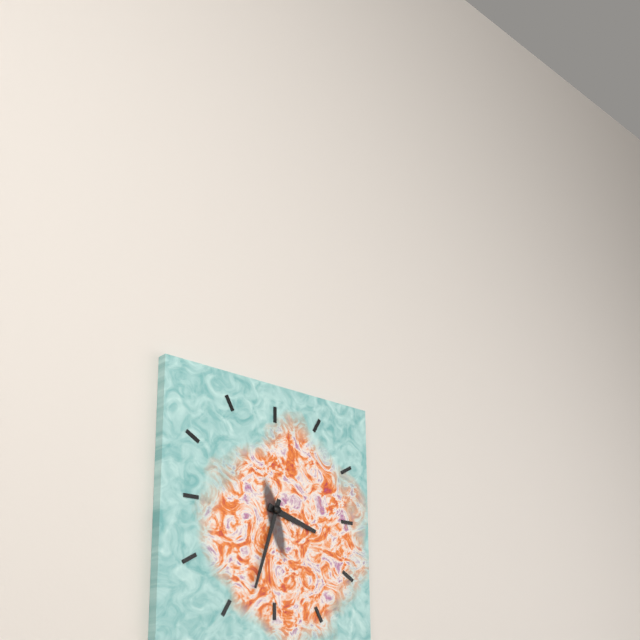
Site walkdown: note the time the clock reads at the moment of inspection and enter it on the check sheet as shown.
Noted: 3:33
